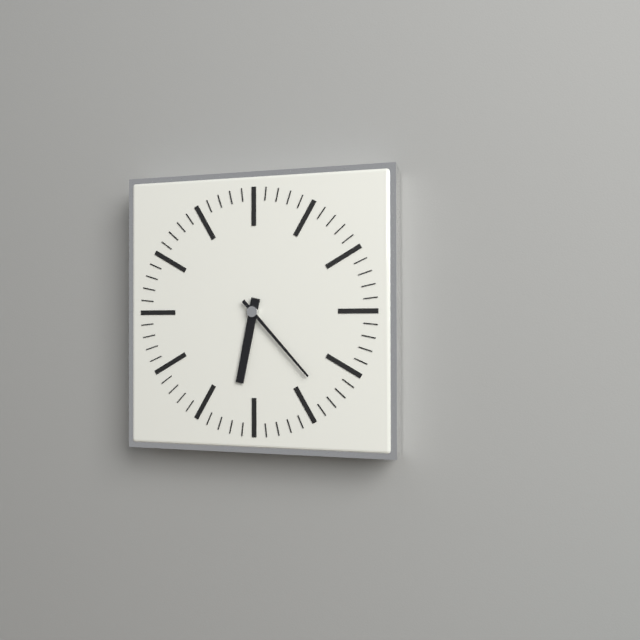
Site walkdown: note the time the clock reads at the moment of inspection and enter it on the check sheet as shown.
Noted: 6:23
